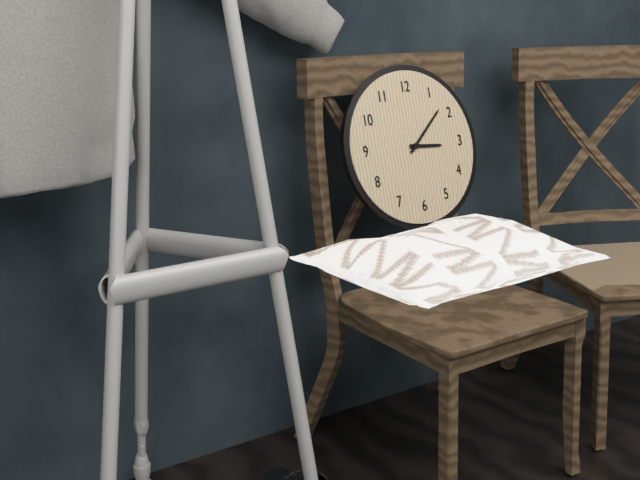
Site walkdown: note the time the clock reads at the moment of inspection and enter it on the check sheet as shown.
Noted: 3:08
